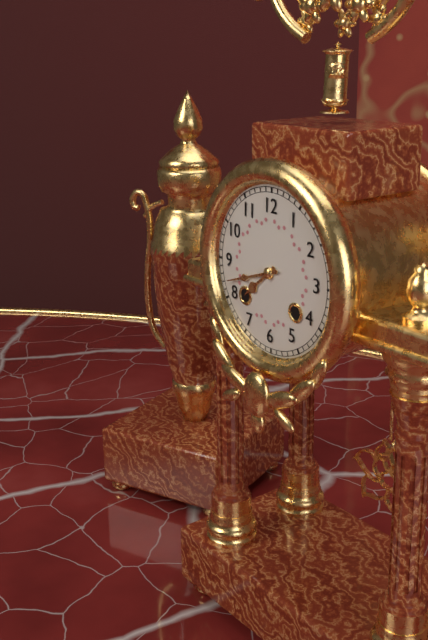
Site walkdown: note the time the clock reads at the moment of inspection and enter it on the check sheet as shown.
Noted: 7:42
